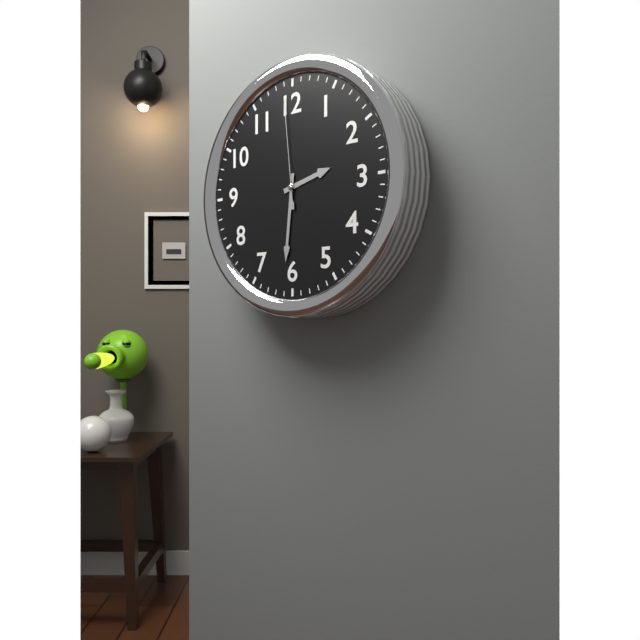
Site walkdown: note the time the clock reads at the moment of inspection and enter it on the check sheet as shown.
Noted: 2:31:59
